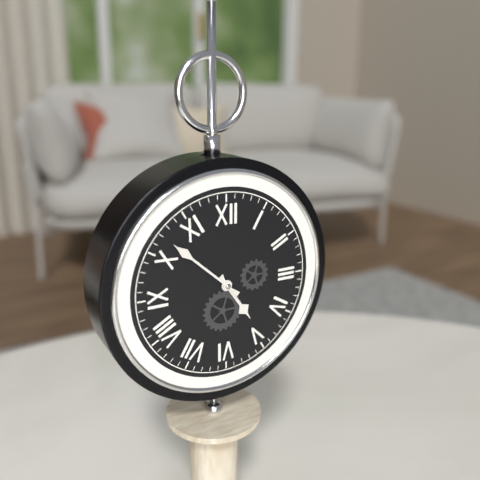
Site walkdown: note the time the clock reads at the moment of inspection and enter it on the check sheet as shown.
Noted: 4:52
